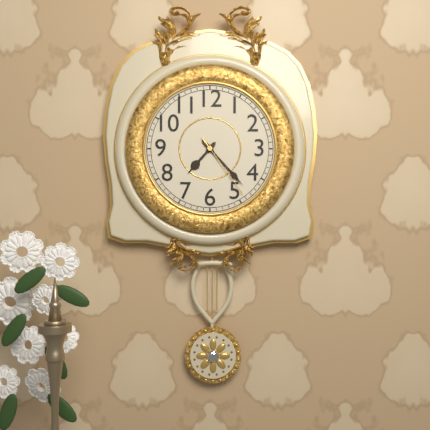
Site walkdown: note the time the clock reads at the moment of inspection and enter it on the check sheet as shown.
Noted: 7:23:24
